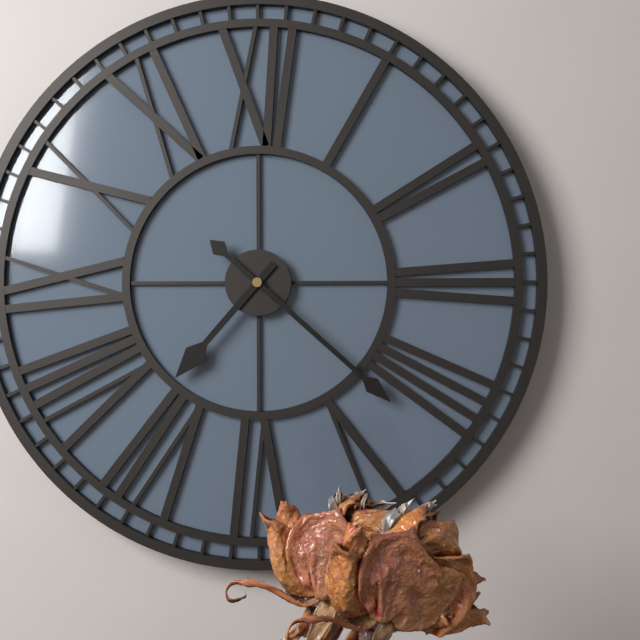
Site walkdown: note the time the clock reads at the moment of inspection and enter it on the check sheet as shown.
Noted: 7:22
